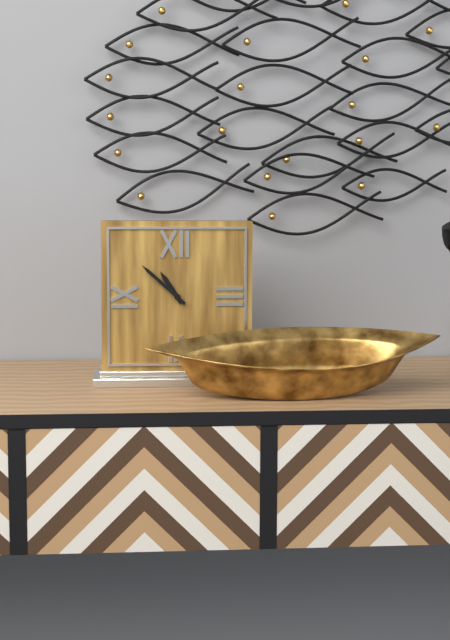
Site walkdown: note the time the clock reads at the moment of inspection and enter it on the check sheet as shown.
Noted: 10:52
